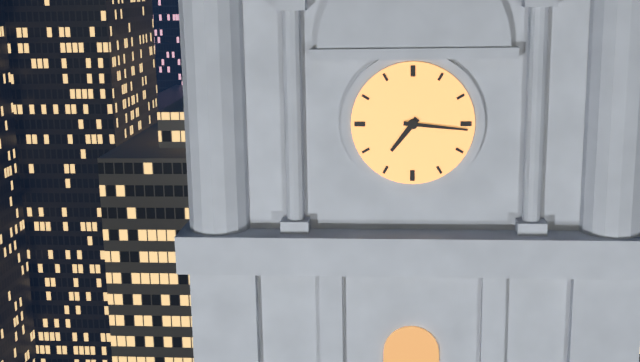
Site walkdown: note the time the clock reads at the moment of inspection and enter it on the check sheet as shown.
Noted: 7:16
